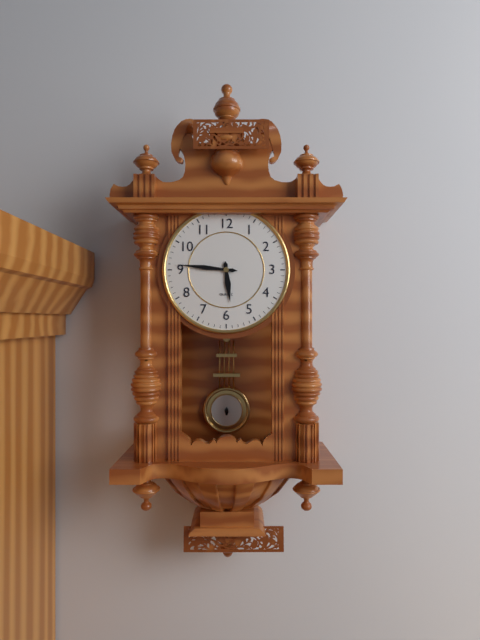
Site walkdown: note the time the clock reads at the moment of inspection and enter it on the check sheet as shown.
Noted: 5:46
